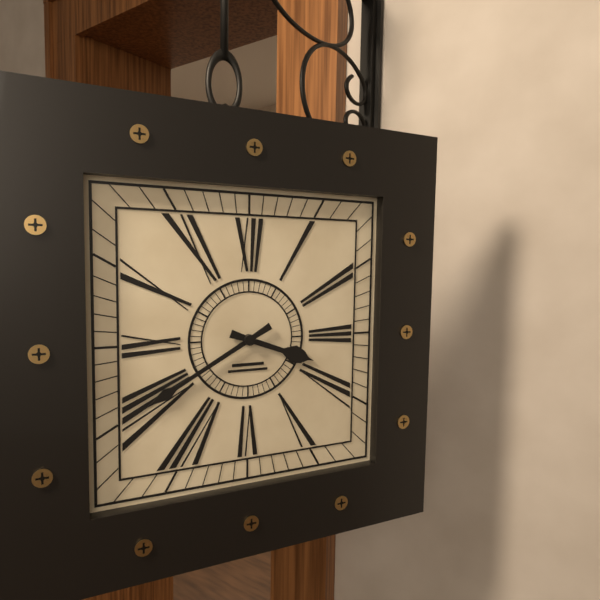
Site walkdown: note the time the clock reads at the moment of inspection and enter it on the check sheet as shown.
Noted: 3:40
